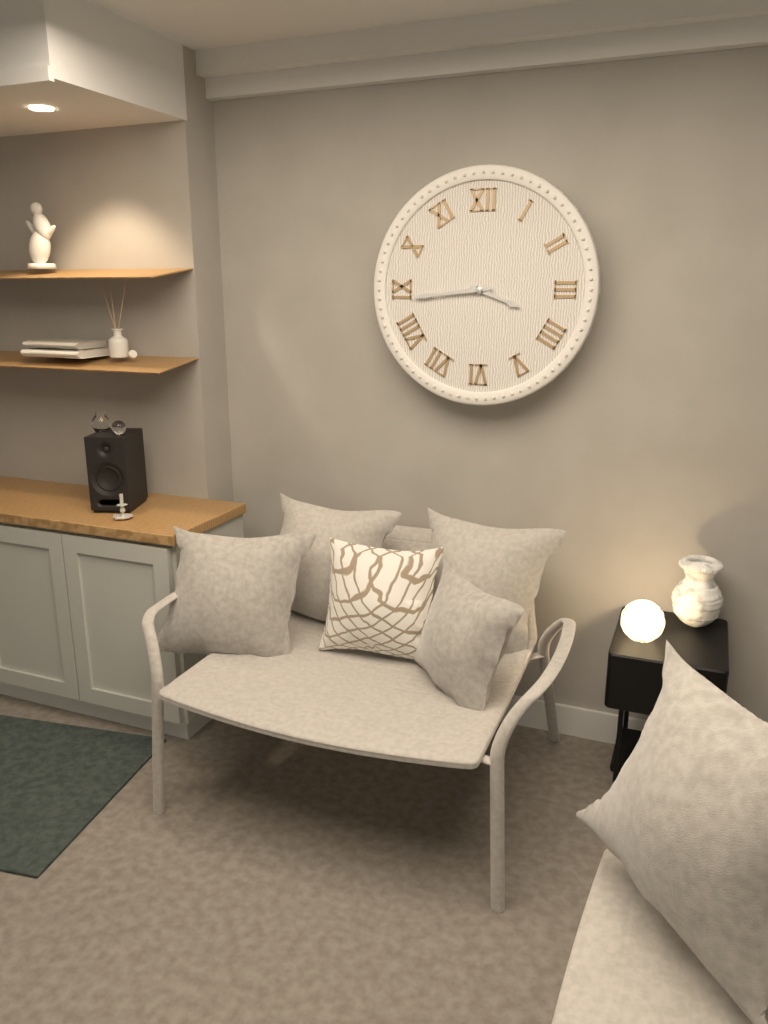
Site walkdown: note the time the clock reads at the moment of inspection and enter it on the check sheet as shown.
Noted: 3:44
